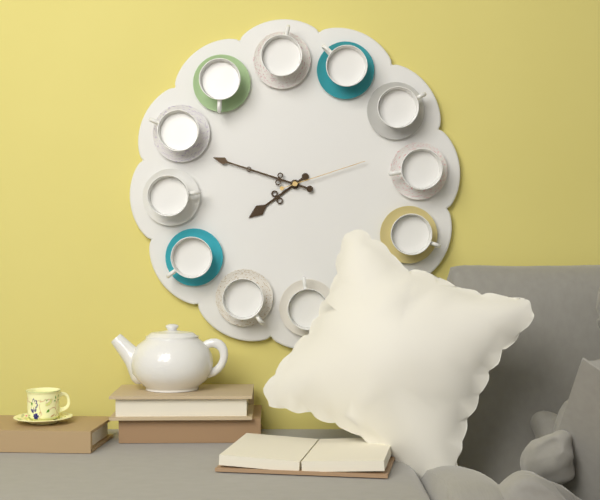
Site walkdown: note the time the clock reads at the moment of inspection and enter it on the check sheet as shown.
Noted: 7:48:12
